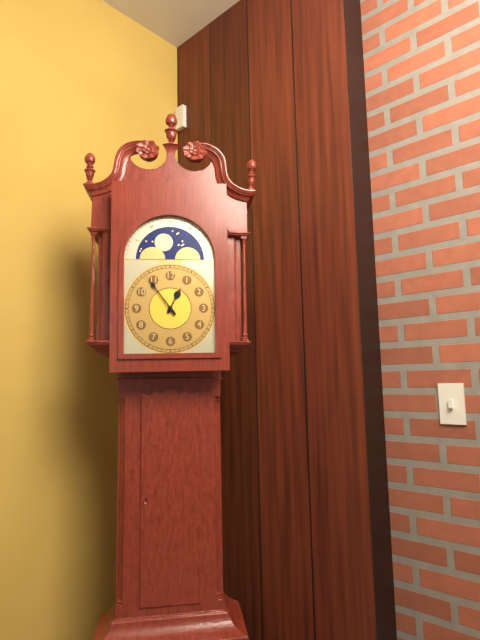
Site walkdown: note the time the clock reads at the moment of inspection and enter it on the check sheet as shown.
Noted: 12:54
